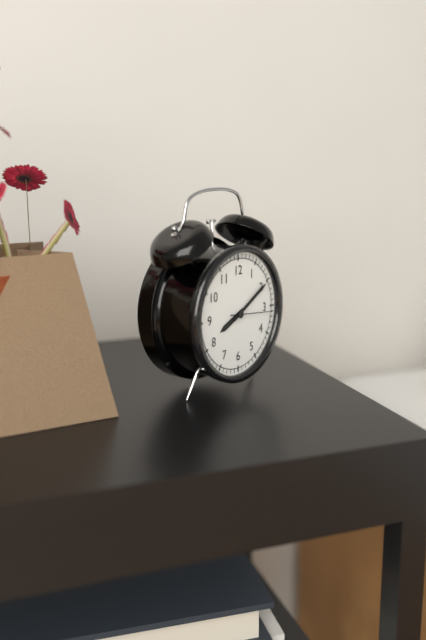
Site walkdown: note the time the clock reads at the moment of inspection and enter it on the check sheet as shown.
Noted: 8:10
